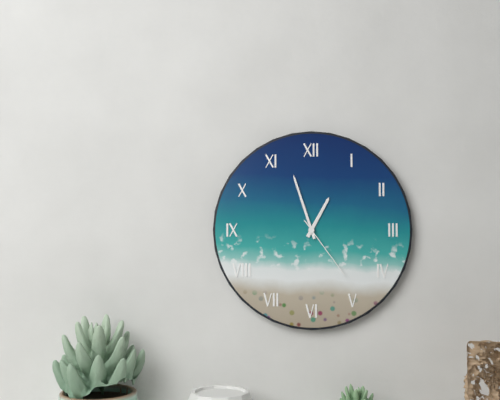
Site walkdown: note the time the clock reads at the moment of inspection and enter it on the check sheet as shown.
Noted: 12:57:24
